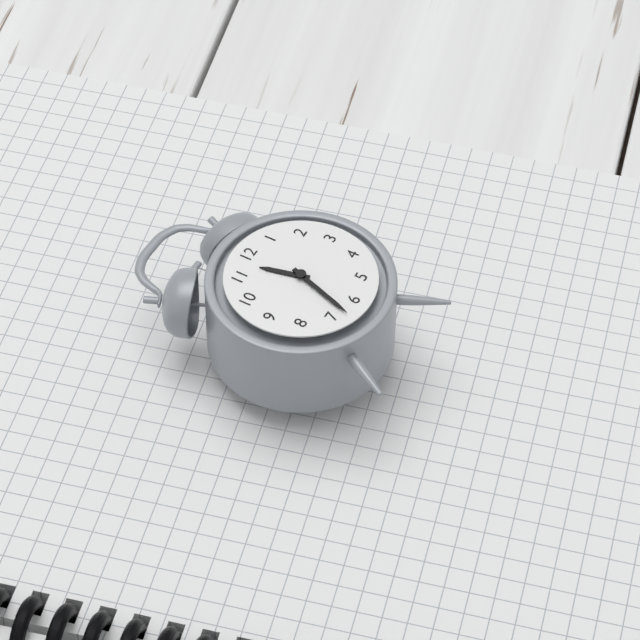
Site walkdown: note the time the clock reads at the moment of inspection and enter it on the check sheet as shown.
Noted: 11:33
